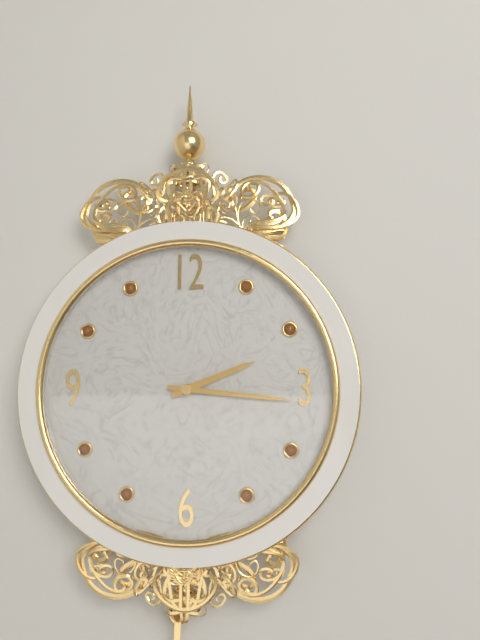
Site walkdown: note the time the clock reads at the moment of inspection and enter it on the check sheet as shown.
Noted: 2:16
